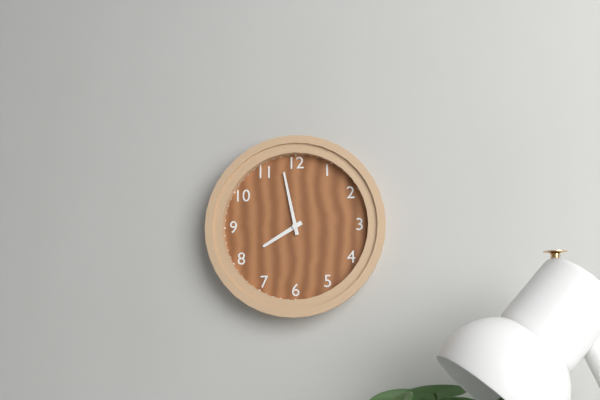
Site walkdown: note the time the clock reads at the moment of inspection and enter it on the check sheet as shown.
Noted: 7:58
